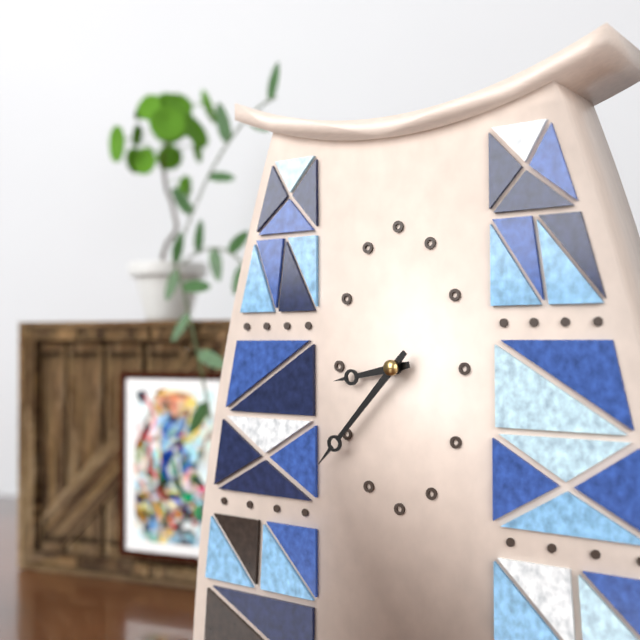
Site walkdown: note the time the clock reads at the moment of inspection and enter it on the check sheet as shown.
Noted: 8:37
